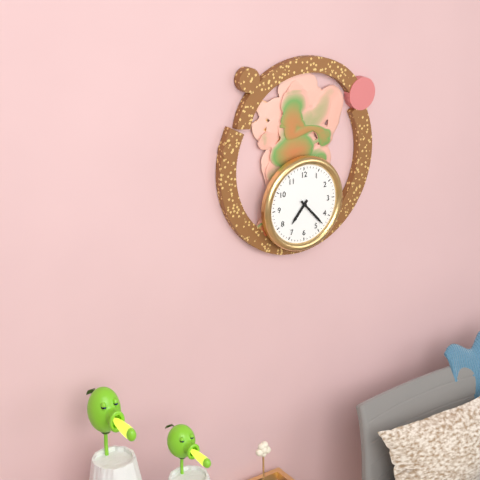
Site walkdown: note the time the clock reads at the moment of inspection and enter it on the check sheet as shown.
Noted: 7:23
